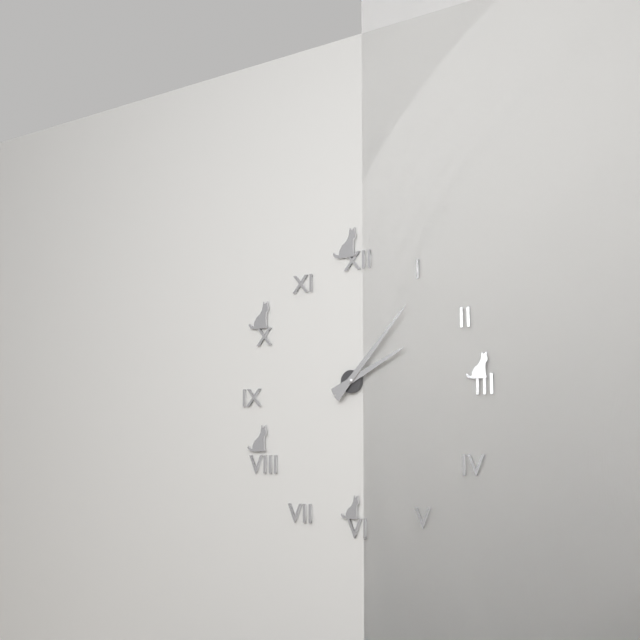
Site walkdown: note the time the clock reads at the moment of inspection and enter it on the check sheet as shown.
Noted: 2:07
